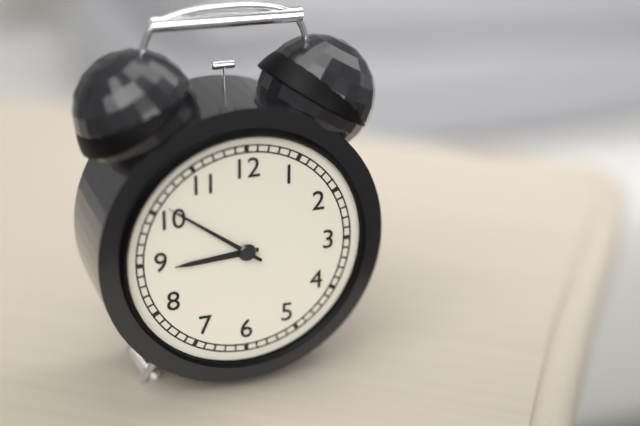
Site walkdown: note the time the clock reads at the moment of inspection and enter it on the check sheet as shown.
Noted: 8:51
